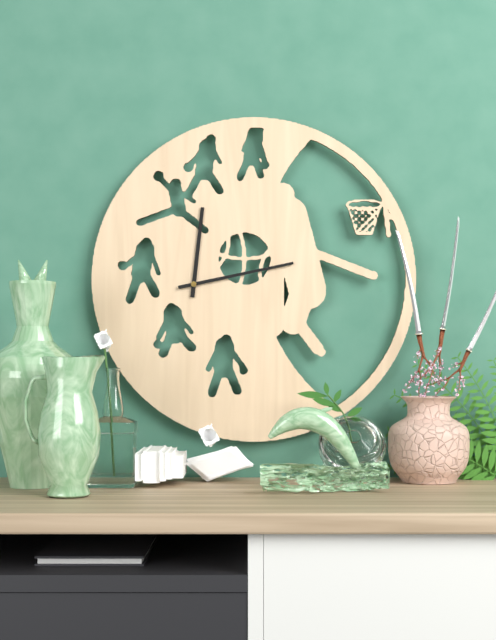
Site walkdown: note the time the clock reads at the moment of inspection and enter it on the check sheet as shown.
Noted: 12:13
